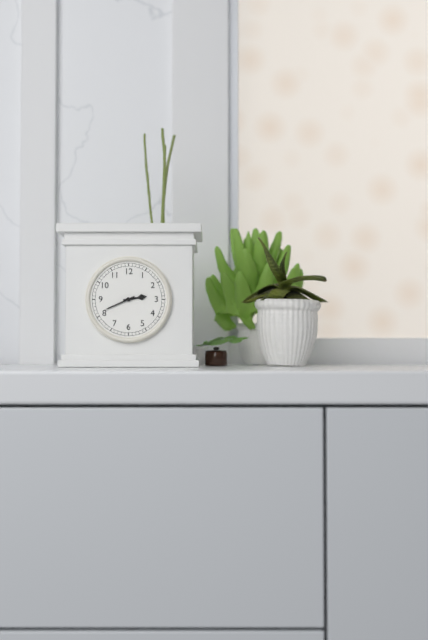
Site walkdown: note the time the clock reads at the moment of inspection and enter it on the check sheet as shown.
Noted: 2:41
